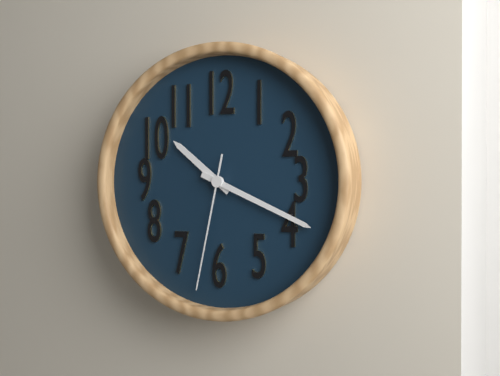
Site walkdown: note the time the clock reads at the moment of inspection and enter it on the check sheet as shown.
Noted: 10:19:32
